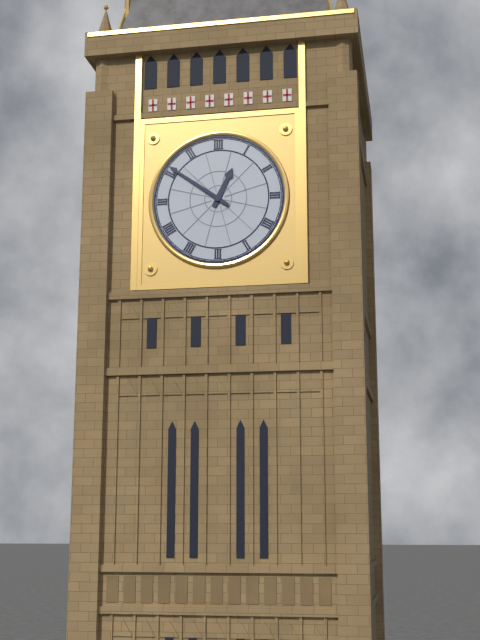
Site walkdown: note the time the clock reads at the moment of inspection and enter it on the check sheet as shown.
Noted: 12:51
